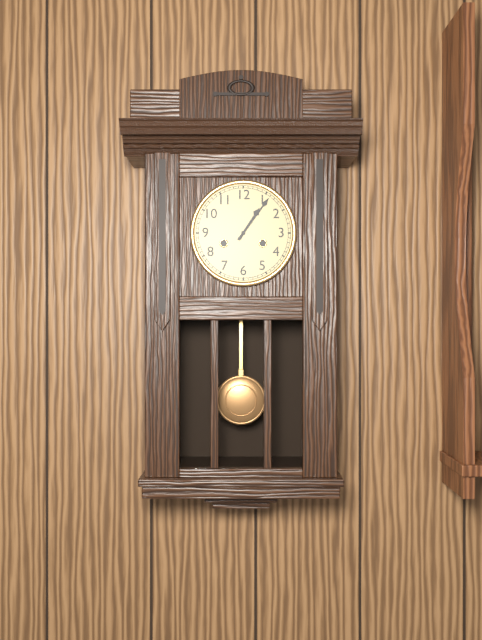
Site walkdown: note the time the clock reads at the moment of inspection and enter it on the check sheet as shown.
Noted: 1:06
